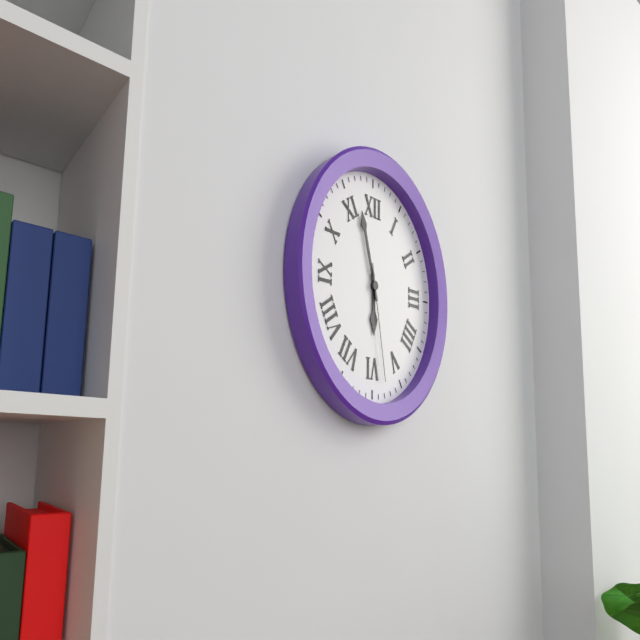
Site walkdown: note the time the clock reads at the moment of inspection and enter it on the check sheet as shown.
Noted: 5:57:28
